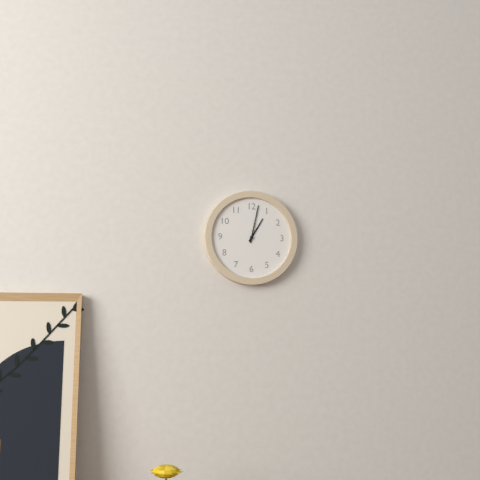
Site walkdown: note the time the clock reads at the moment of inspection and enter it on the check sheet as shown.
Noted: 1:02
